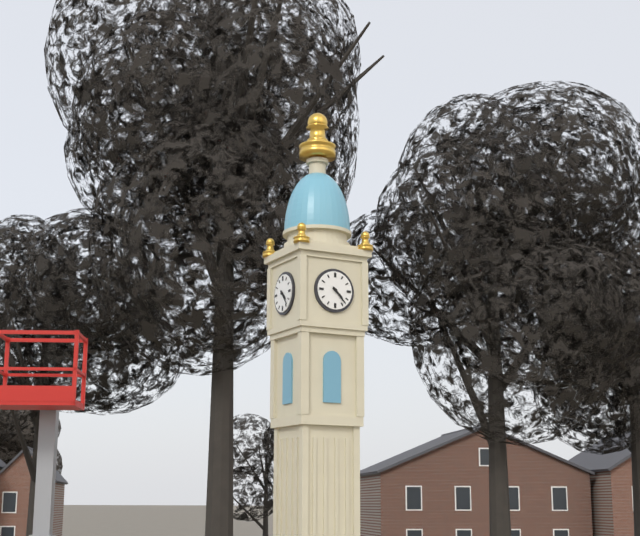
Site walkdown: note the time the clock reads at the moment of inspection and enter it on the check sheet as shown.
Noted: 4:23
